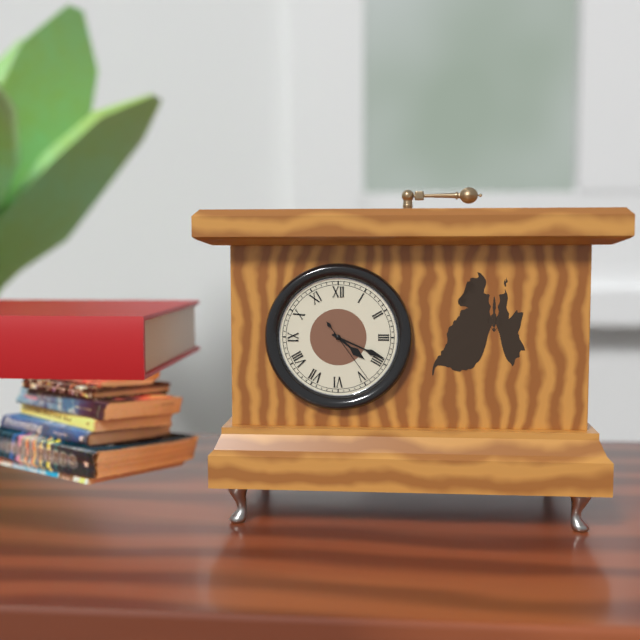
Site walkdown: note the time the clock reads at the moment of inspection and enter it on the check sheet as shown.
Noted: 4:19:24
